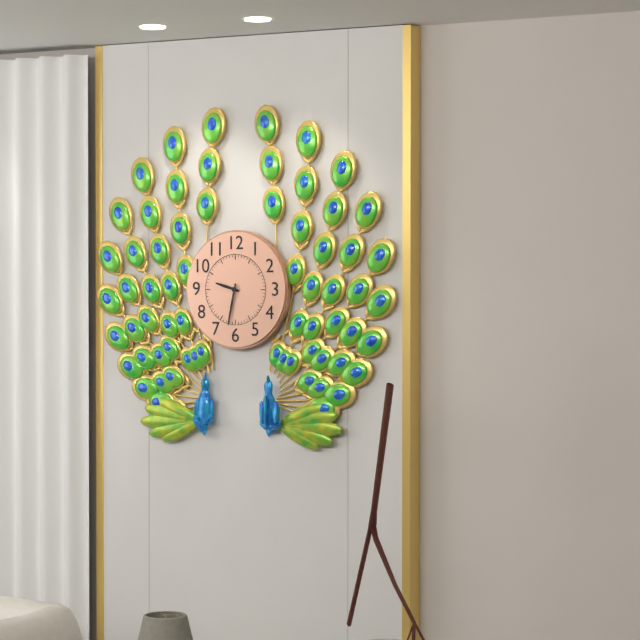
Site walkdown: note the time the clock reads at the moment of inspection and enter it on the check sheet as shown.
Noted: 9:32
